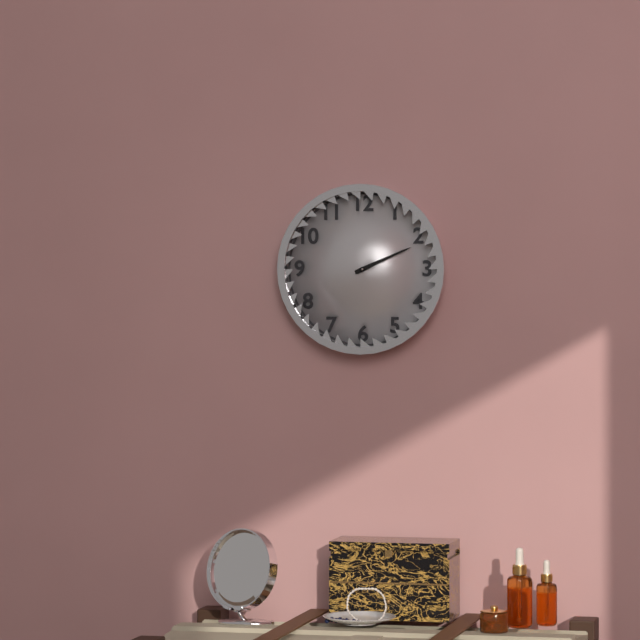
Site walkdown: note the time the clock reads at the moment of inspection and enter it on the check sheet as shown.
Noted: 2:11
